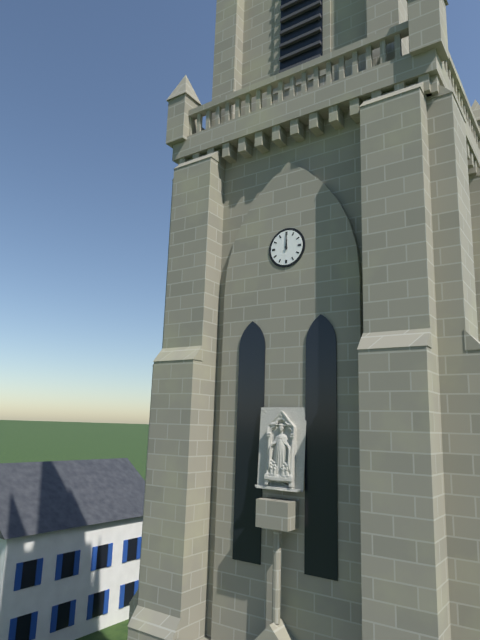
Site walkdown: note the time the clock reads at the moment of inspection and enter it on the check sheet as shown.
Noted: 12:00
